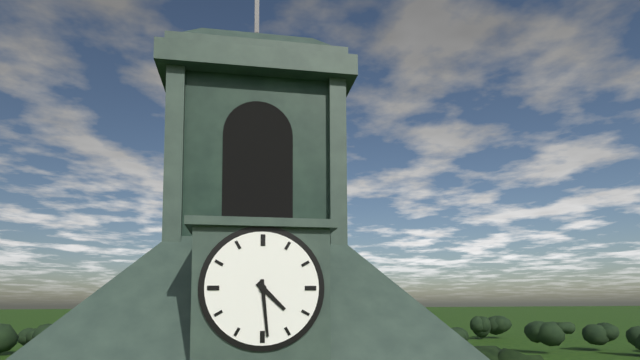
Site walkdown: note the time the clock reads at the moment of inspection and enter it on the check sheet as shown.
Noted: 4:29
